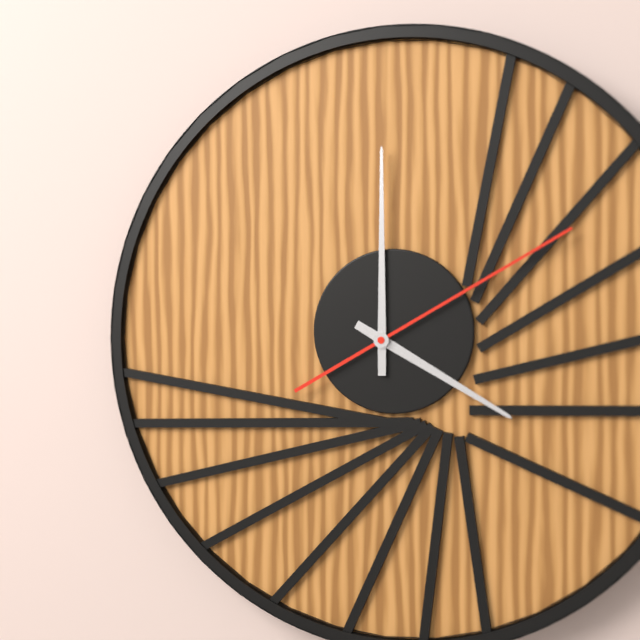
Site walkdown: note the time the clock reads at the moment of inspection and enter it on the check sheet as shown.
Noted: 4:00:10
